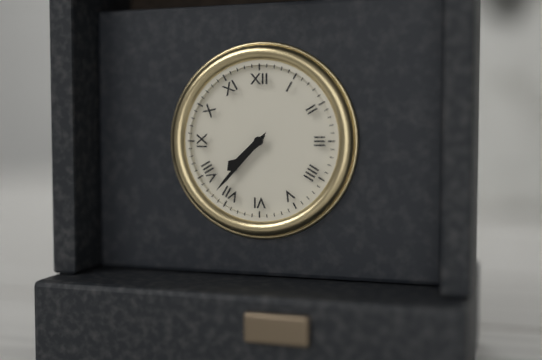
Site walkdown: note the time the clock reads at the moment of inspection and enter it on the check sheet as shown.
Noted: 7:37
